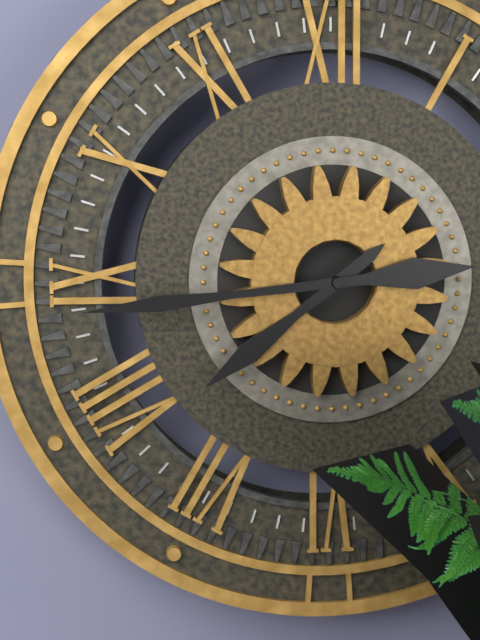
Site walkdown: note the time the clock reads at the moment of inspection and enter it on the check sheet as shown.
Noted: 7:44
